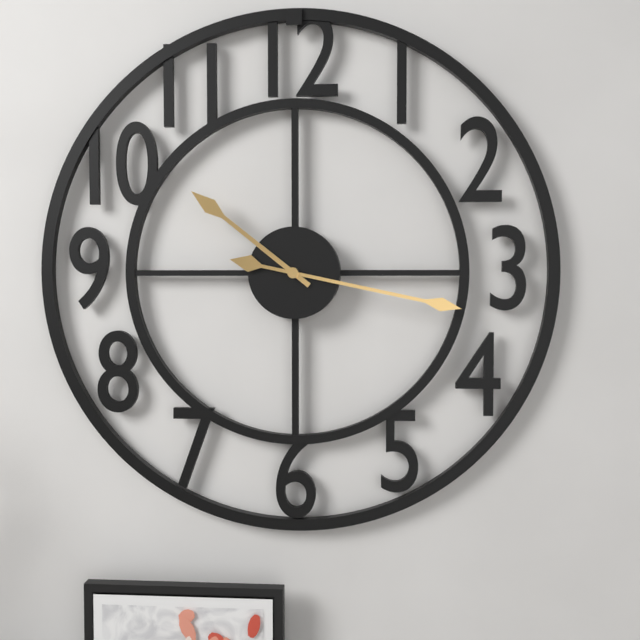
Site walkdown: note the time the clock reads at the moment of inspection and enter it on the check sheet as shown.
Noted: 10:17
